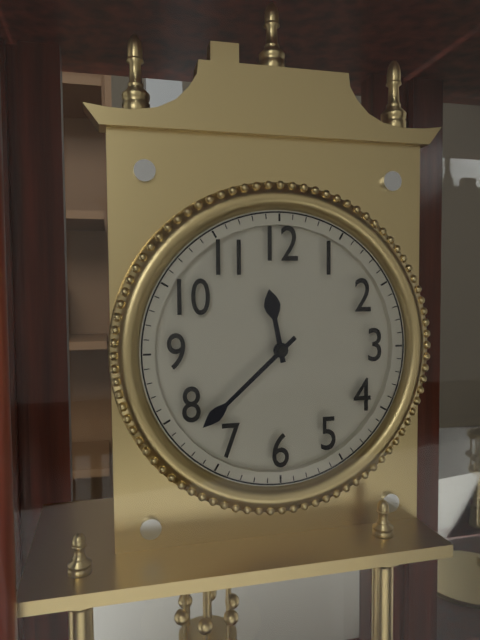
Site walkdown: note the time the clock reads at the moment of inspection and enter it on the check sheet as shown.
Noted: 11:38
